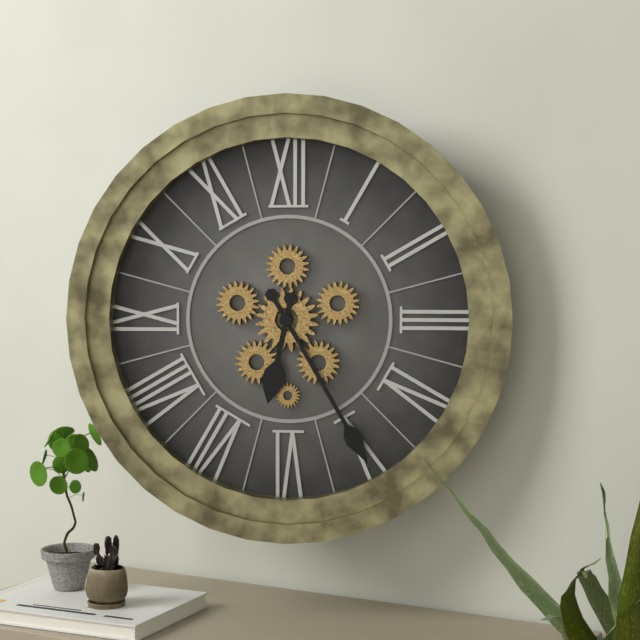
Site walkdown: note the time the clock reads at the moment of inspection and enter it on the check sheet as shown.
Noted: 6:25
